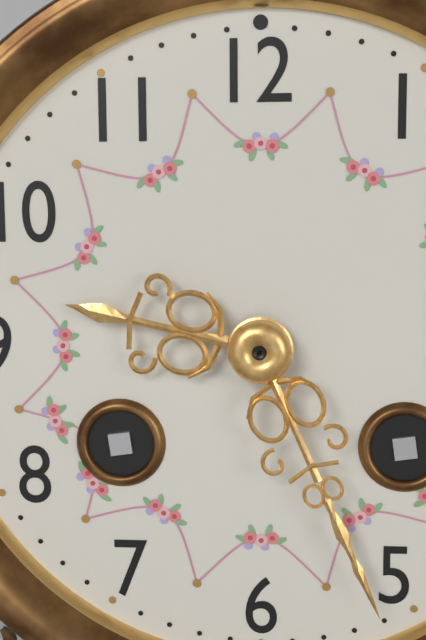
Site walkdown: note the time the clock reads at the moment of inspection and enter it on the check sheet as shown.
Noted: 9:26
